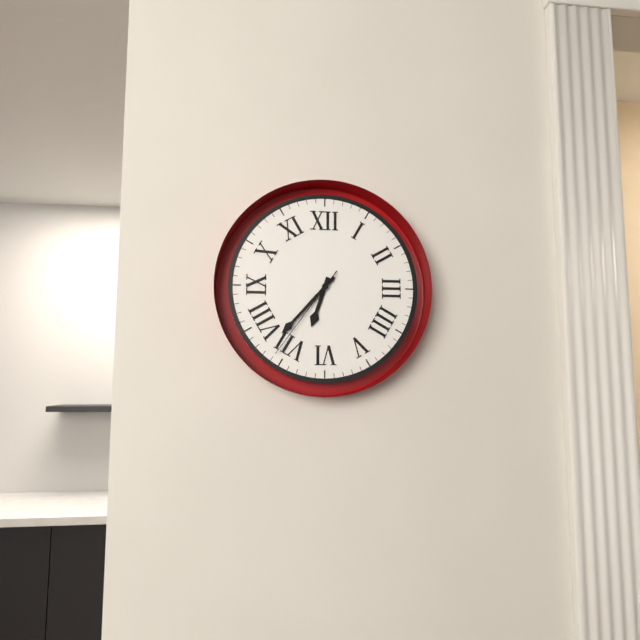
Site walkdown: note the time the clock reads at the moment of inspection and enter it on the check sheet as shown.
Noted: 6:37:36
